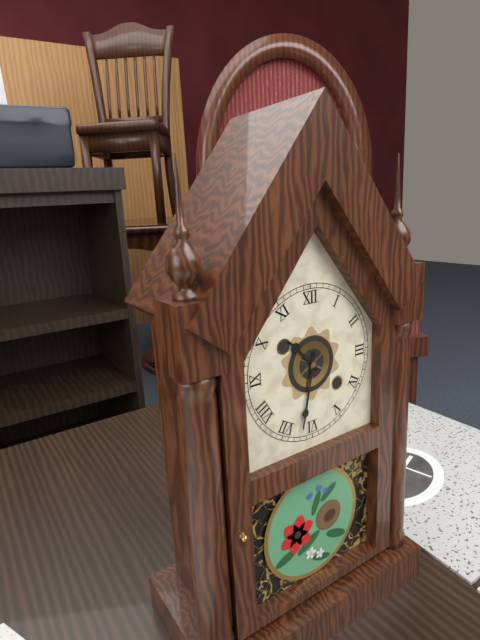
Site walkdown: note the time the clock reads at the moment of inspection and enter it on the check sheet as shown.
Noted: 10:32
